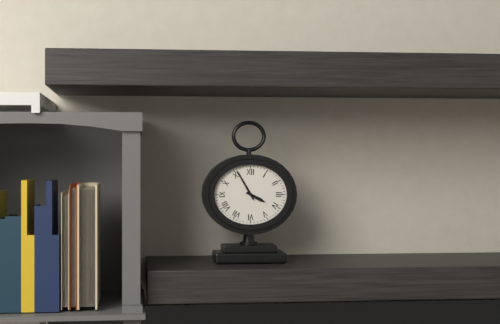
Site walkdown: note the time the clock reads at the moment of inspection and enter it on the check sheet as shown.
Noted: 3:55
